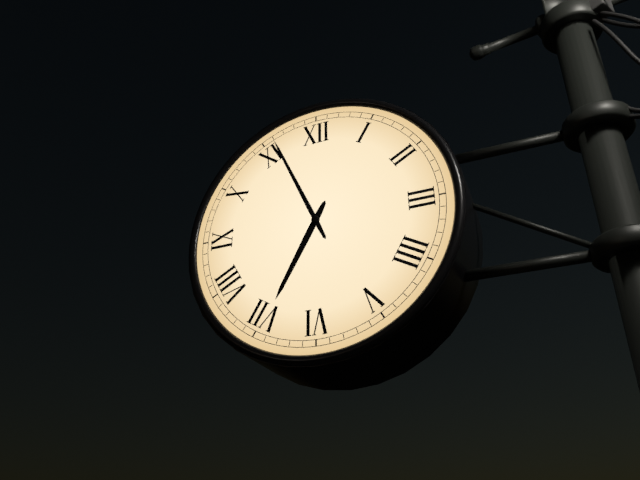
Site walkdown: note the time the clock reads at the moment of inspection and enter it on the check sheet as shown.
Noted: 6:56
